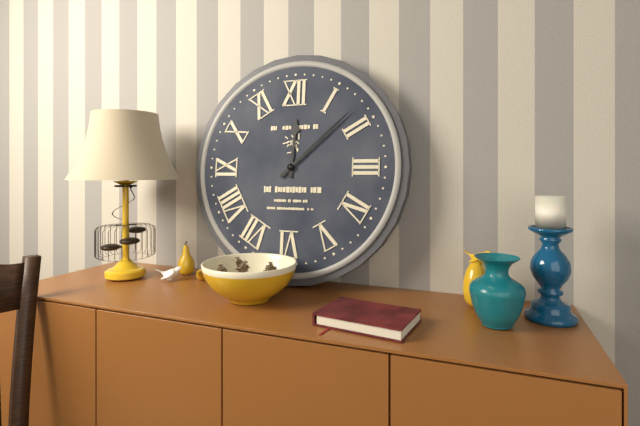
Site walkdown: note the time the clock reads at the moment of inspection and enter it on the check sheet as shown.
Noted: 12:08
